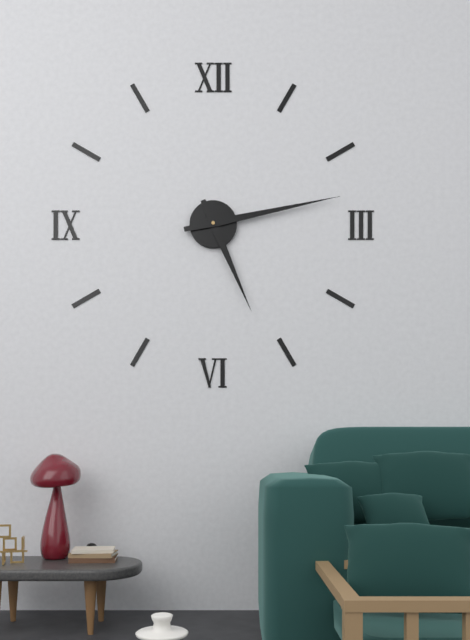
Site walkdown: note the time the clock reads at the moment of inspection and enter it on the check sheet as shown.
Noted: 5:13
